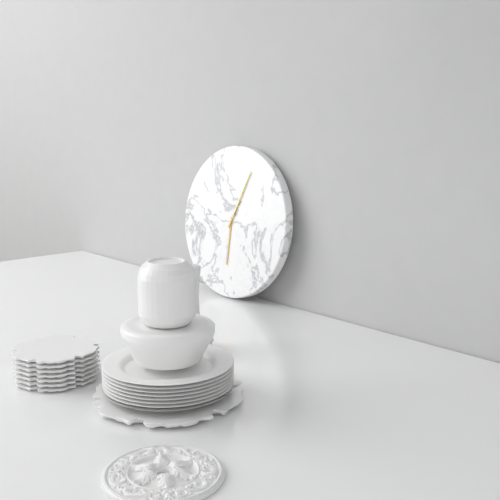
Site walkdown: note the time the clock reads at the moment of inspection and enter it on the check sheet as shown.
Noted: 6:04
